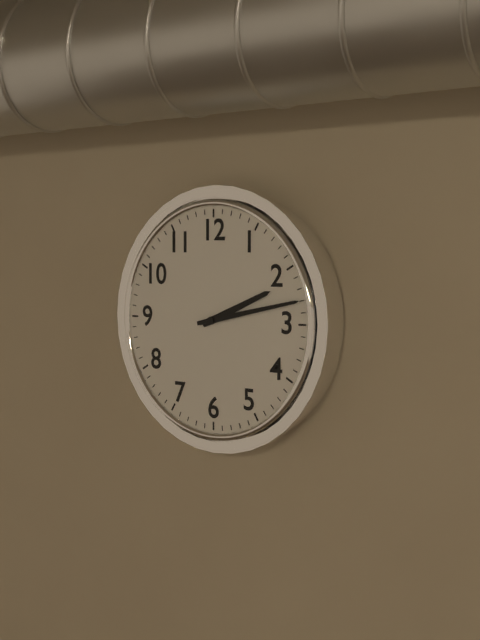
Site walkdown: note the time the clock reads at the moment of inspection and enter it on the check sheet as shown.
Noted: 2:13
